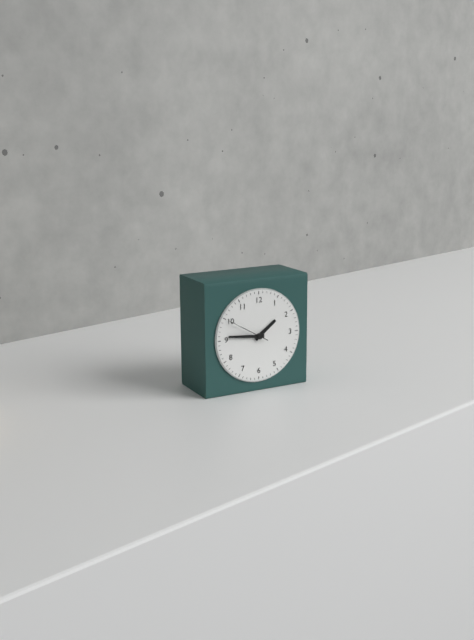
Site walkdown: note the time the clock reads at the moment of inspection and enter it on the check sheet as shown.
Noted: 1:46
